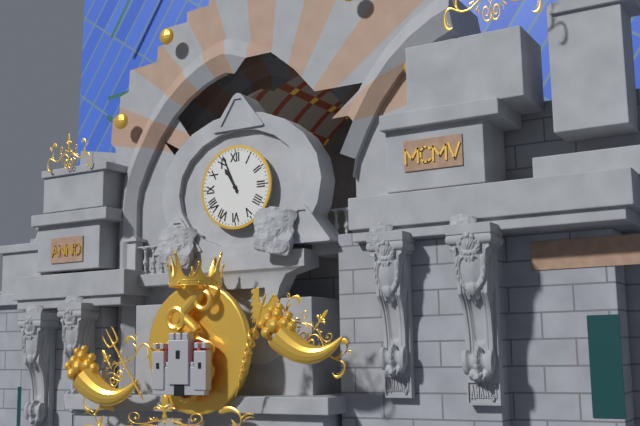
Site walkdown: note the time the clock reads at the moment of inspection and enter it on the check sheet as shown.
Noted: 10:56
